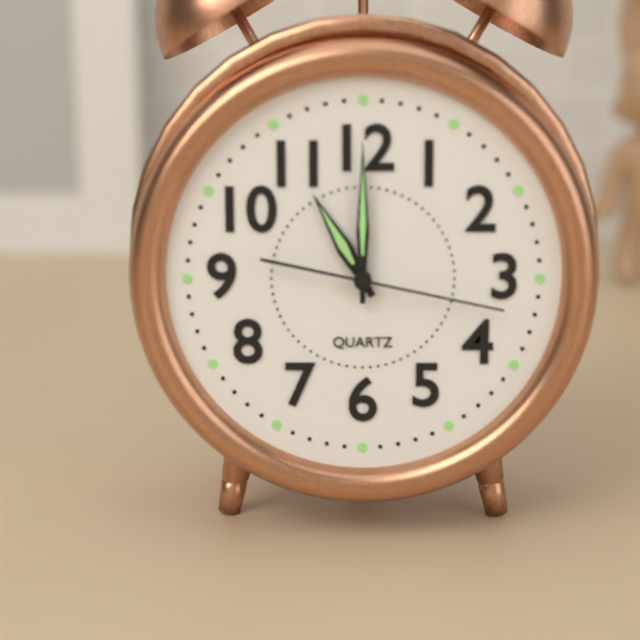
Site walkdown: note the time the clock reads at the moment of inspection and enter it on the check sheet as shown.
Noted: 11:00:17
